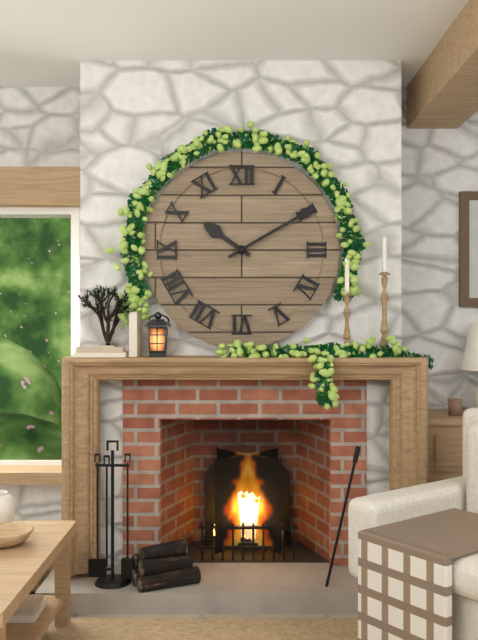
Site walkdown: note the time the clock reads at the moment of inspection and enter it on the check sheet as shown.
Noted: 10:10
